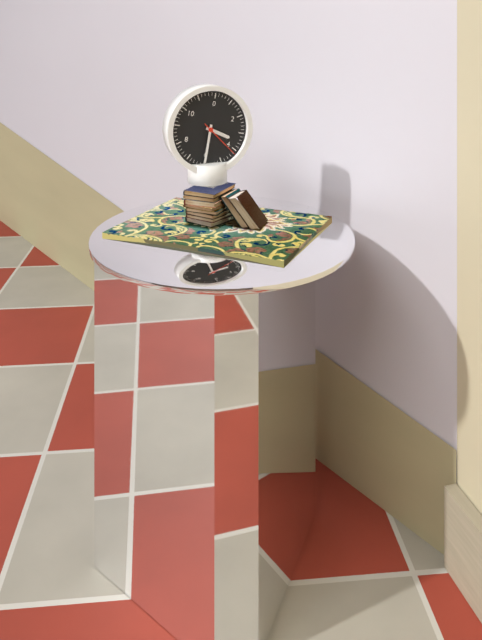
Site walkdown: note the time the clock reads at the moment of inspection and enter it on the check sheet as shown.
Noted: 3:30
